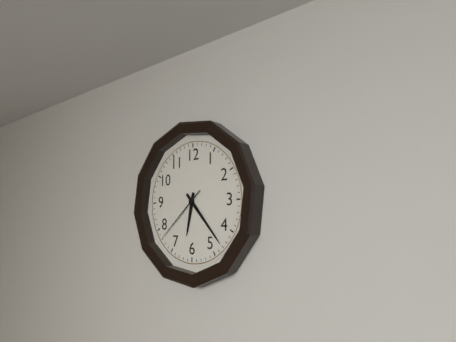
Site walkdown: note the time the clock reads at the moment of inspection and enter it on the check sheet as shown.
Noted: 6:23:38
